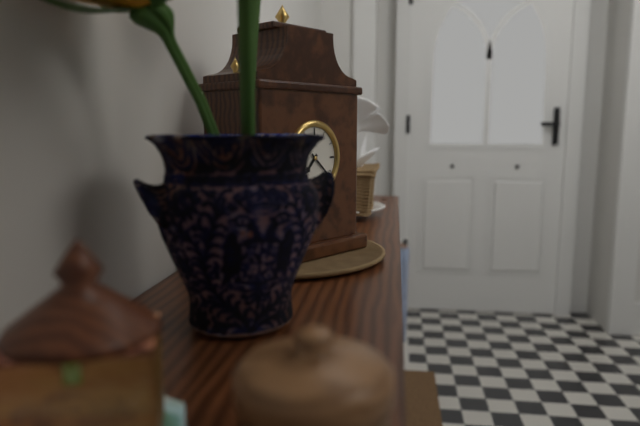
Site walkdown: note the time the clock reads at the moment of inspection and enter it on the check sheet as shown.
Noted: 7:22
